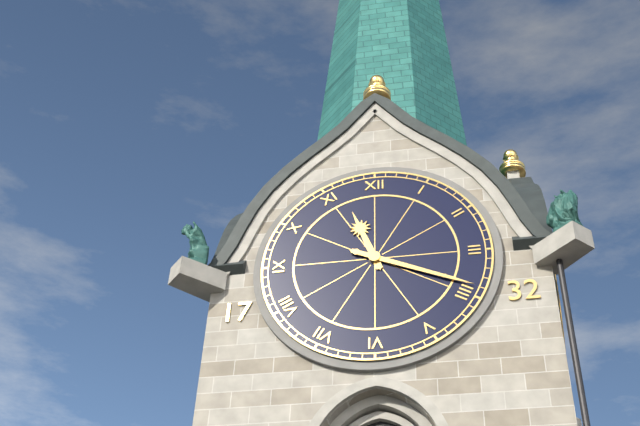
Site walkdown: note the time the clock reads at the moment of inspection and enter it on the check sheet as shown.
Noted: 11:19
